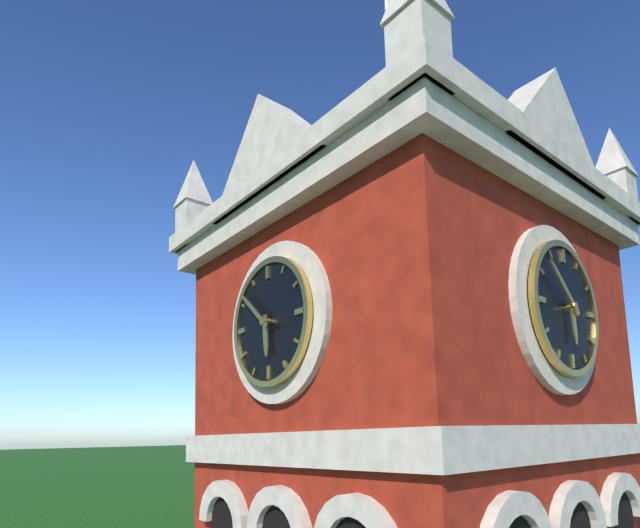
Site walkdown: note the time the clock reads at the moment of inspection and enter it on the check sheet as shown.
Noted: 5:52
